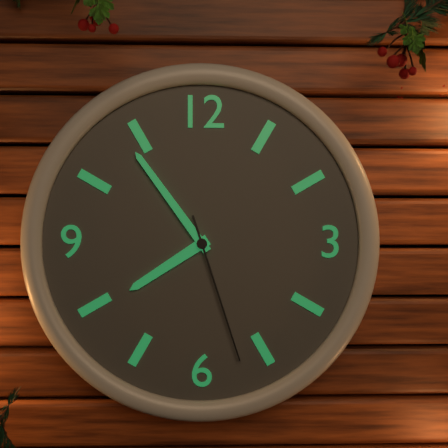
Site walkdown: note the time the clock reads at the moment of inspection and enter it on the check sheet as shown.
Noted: 7:54:27
